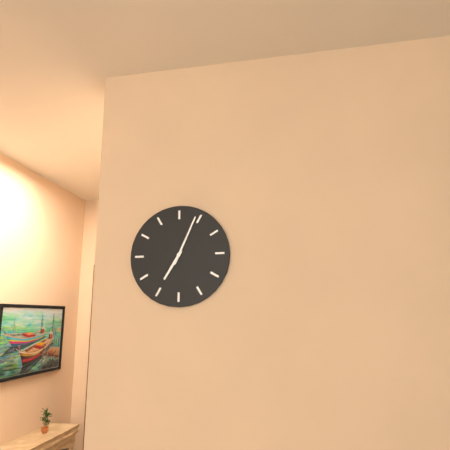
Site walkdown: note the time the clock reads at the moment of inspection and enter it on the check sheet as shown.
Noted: 7:04
